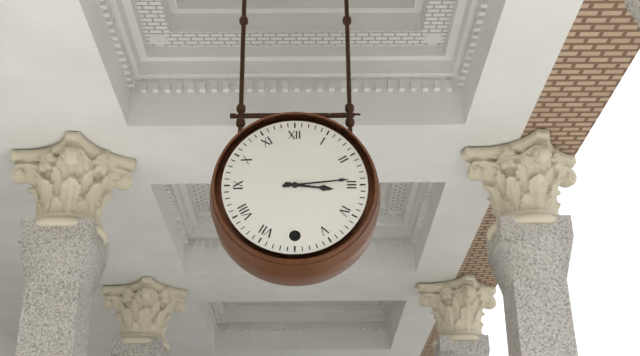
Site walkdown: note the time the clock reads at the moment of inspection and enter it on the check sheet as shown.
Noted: 3:14
